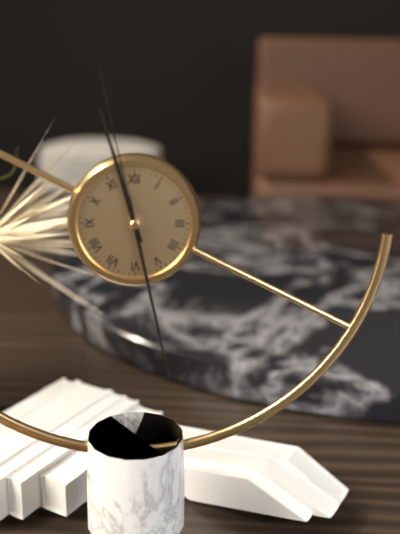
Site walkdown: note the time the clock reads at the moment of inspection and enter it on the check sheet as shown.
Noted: 11:28:58
